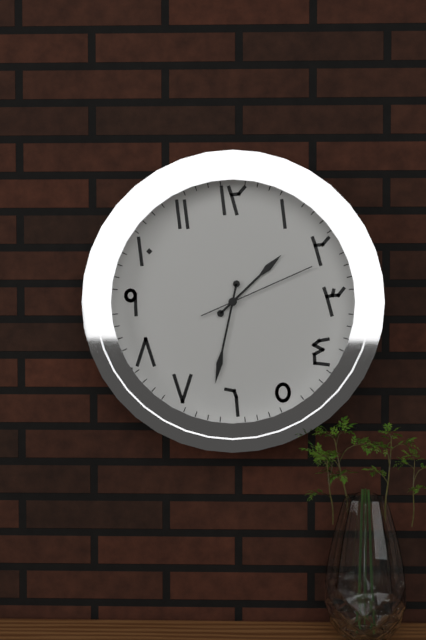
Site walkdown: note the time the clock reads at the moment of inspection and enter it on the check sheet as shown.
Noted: 1:32:11
